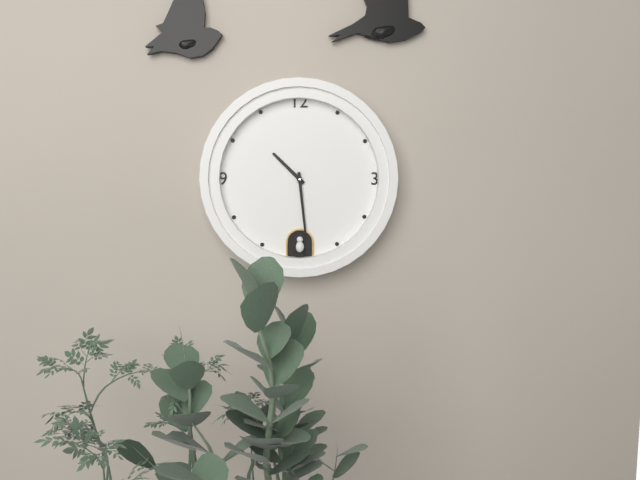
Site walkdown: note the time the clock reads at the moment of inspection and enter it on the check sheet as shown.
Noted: 10:29
